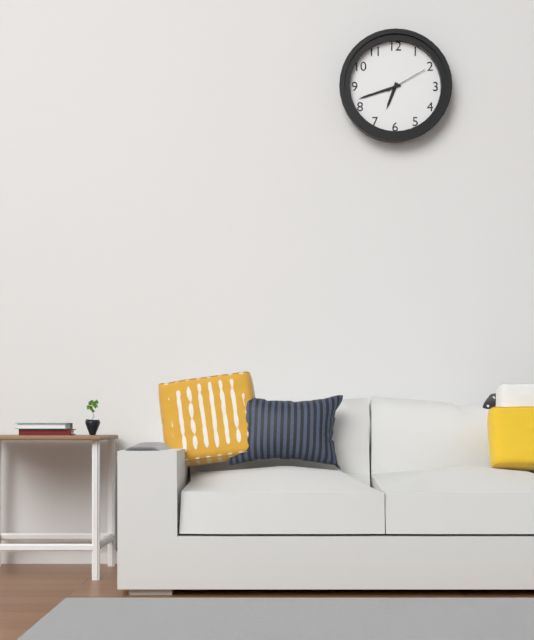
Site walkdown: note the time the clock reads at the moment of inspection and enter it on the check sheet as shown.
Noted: 6:42
